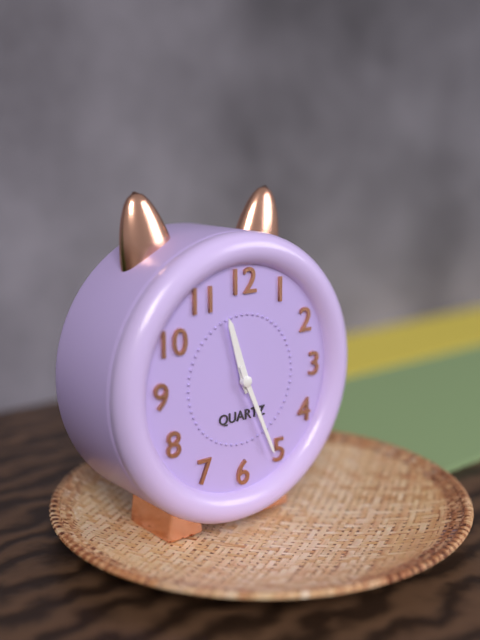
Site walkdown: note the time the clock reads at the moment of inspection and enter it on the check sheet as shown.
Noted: 11:26
